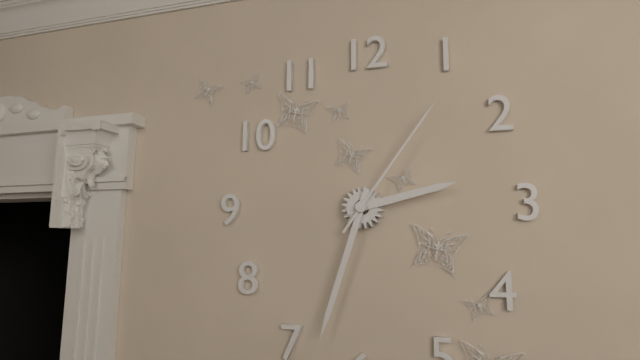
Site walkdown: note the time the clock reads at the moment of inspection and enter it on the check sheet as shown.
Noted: 2:33:06
